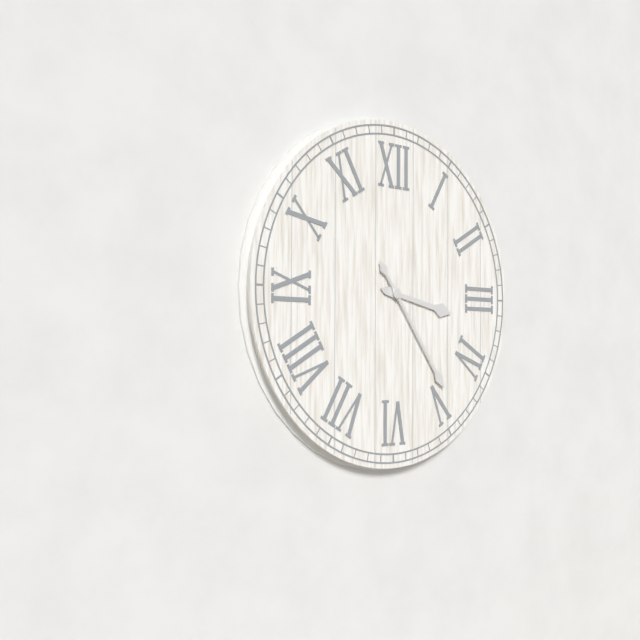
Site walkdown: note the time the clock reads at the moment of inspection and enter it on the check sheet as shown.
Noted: 3:24
